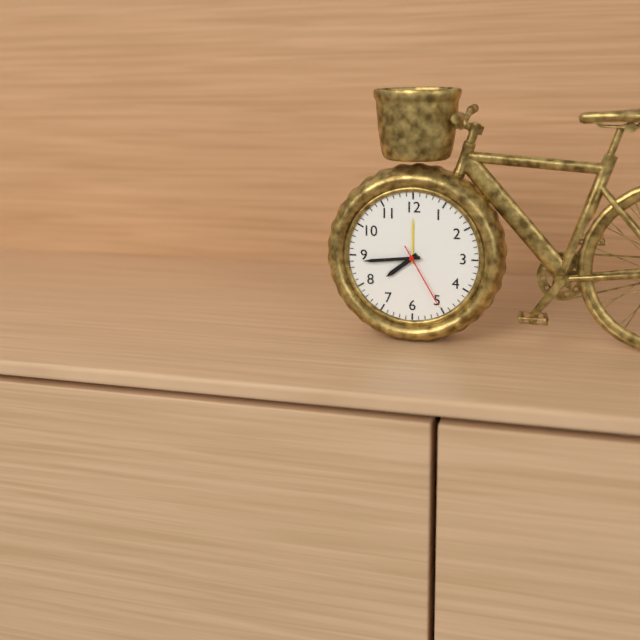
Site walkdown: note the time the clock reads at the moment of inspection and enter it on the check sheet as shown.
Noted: 7:44:25
